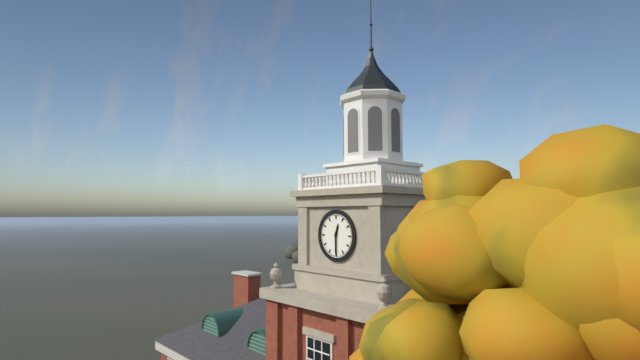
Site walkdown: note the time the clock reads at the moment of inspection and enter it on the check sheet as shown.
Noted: 12:30
